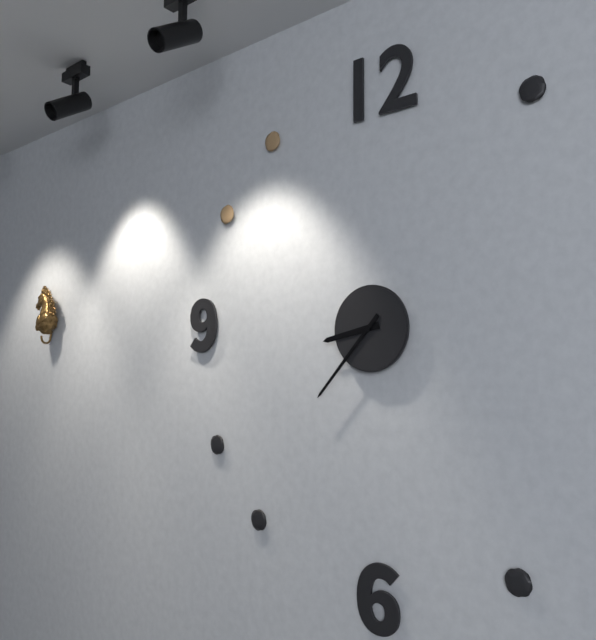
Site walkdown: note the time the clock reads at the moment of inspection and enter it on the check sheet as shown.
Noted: 8:37
